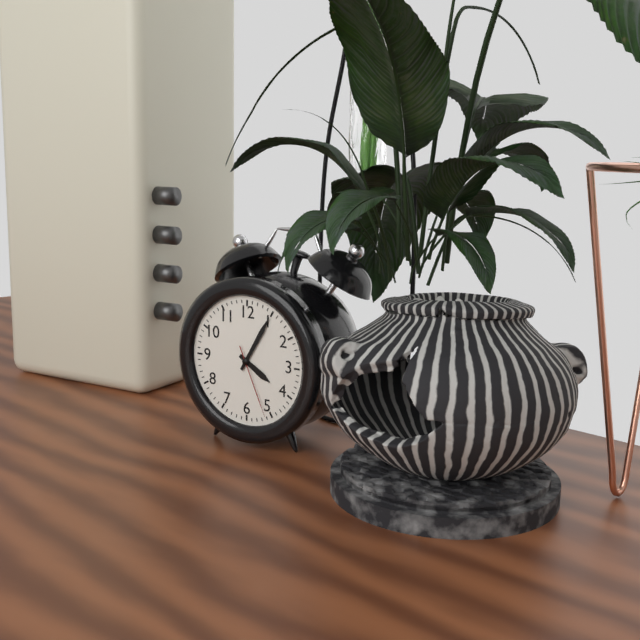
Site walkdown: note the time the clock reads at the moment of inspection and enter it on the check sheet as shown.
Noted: 4:05:26
